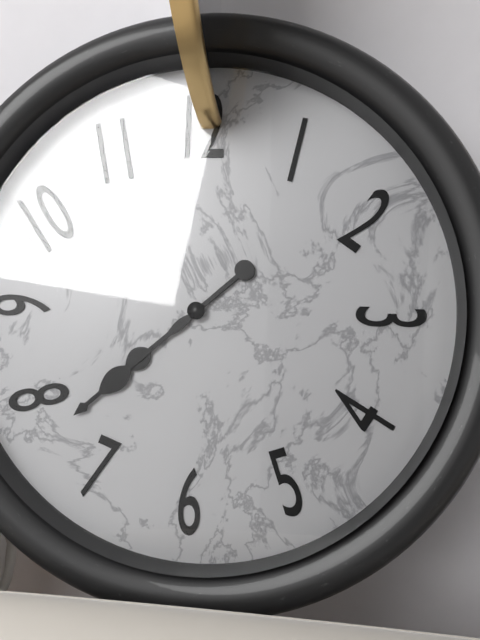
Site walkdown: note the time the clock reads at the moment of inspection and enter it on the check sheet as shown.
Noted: 7:38
